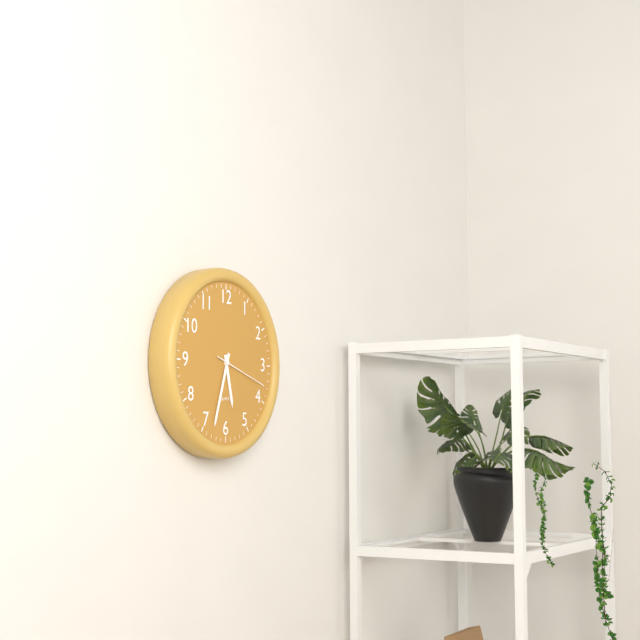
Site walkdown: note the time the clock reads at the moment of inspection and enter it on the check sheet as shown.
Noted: 5:33:18
